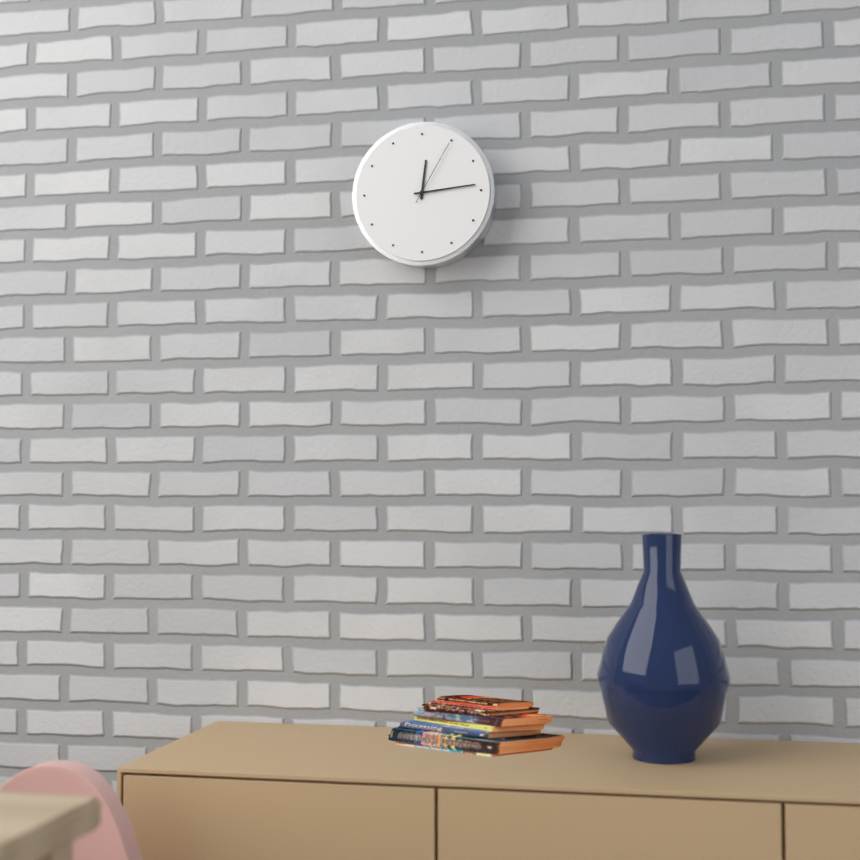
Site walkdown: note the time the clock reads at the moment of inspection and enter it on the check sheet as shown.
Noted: 12:14:05
